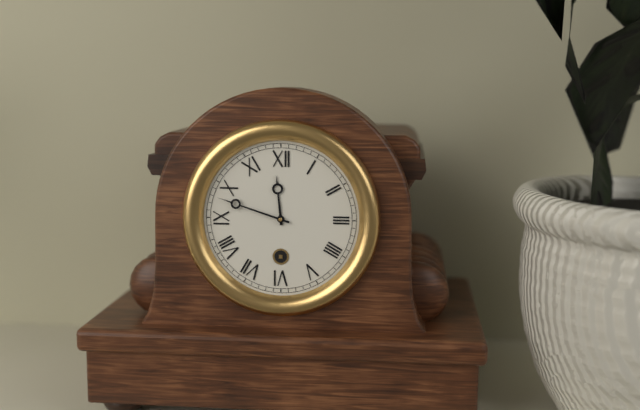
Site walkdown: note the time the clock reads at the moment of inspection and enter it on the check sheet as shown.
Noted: 11:48
